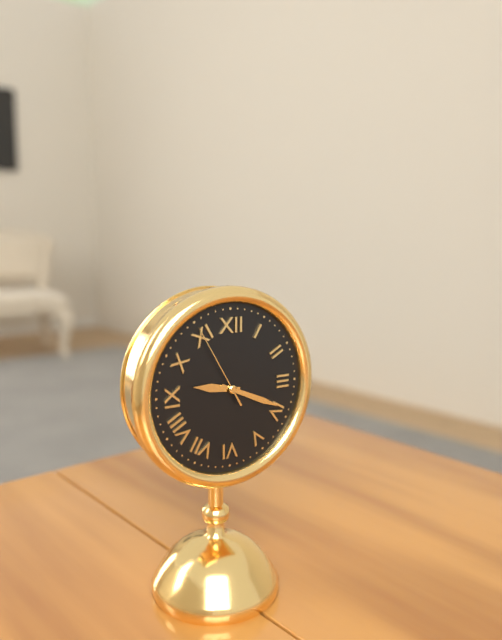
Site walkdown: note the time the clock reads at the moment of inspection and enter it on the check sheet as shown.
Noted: 9:19:55
